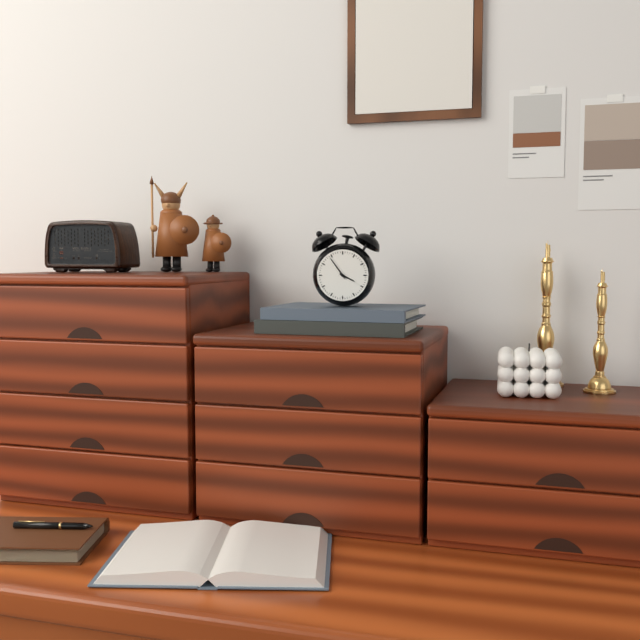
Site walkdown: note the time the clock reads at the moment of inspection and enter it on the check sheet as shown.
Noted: 3:54
